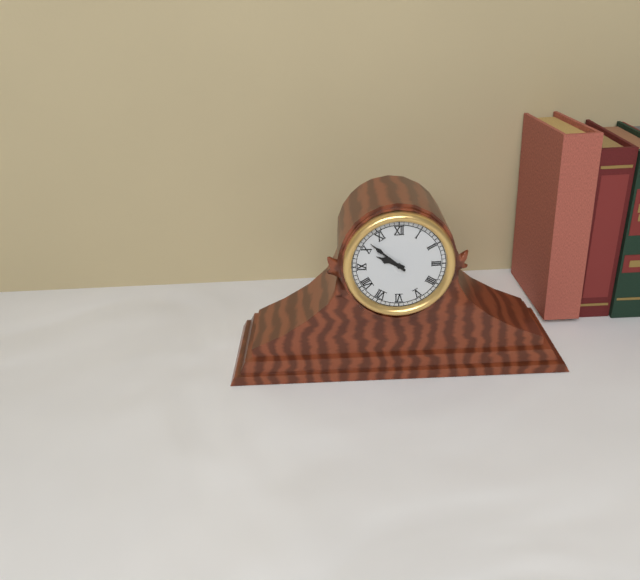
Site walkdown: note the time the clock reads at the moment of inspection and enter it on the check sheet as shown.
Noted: 9:52
